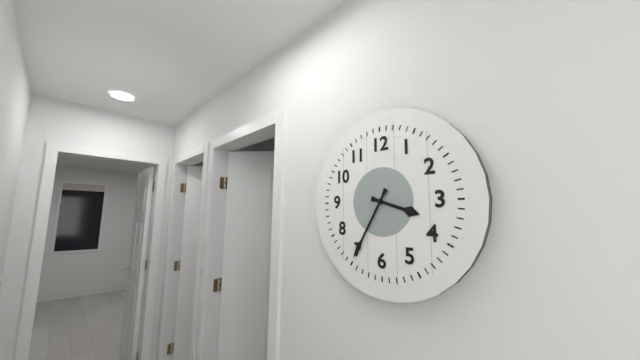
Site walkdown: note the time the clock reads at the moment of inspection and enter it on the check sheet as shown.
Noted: 3:35
